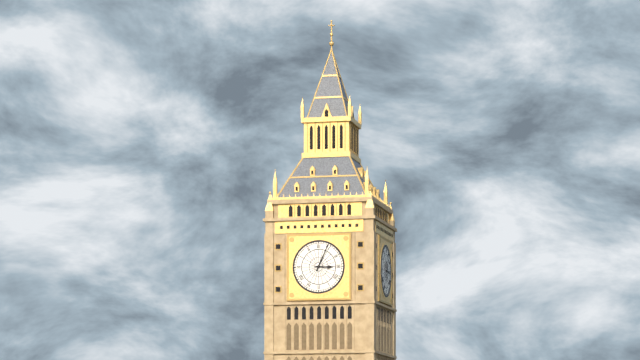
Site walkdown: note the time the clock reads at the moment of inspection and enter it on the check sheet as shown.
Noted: 3:04
